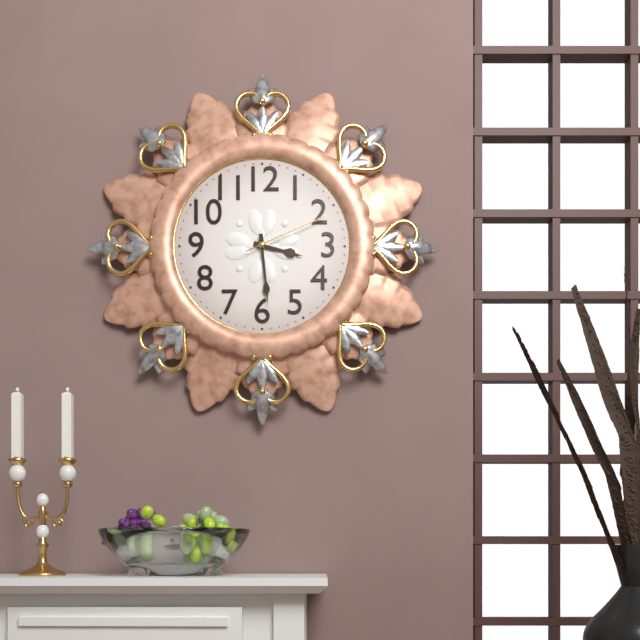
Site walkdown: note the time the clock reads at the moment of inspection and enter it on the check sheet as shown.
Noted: 3:29:11
